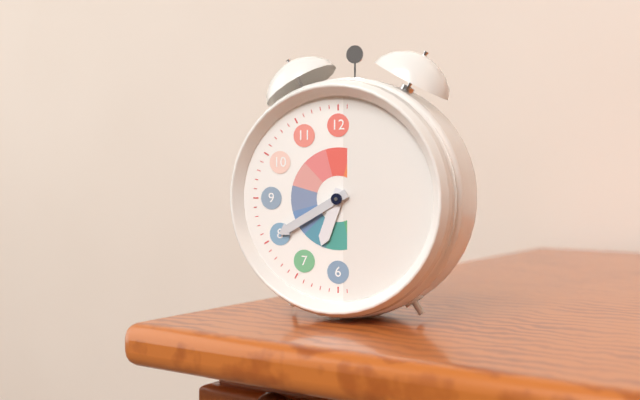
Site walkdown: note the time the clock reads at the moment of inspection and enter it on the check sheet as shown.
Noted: 6:40
